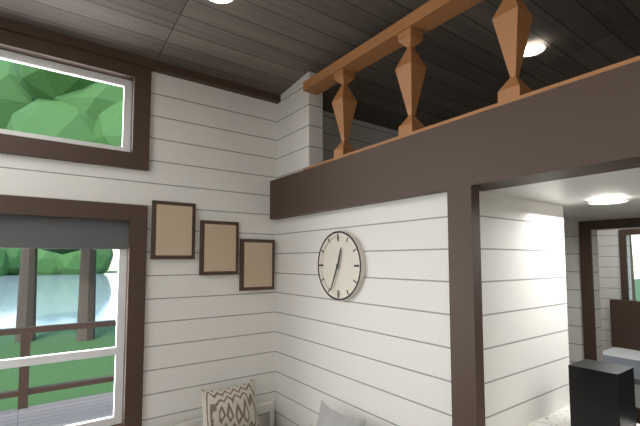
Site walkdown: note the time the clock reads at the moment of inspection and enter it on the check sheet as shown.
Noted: 12:34
